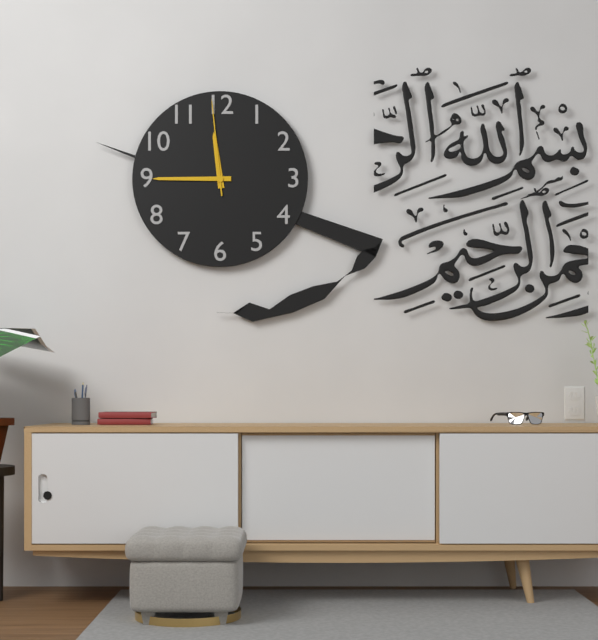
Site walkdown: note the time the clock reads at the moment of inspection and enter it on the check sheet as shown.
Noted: 11:45:59
